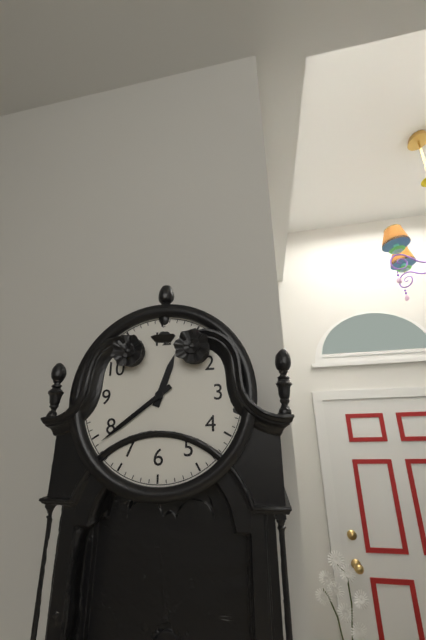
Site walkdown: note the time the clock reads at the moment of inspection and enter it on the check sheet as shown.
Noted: 12:39
